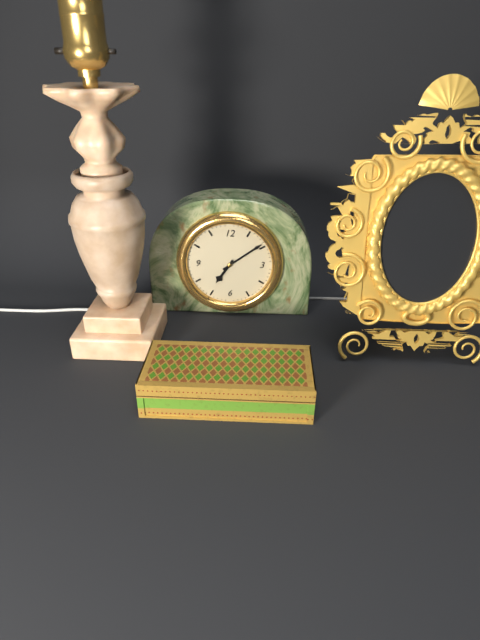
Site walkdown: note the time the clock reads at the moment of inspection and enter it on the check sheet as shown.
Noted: 7:09
